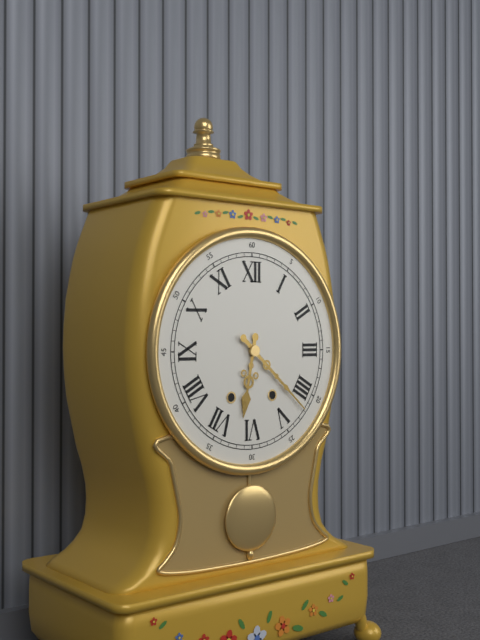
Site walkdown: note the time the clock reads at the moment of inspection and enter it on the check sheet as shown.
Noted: 6:22
